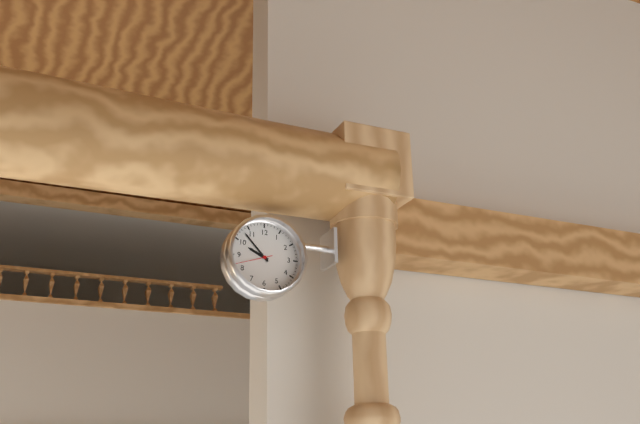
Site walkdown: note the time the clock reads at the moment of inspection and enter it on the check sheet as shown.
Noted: 9:53
